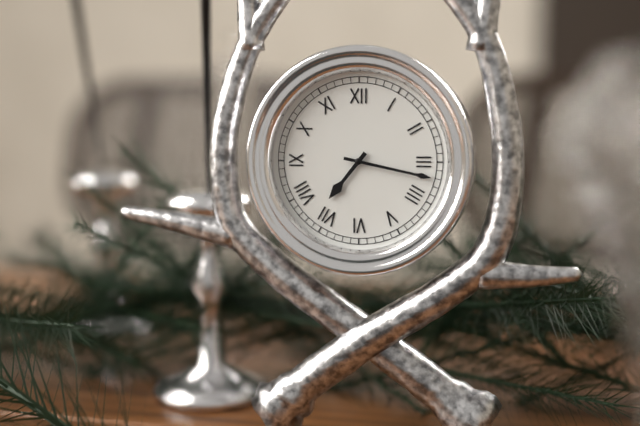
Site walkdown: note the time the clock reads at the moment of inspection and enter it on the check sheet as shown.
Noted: 7:17
